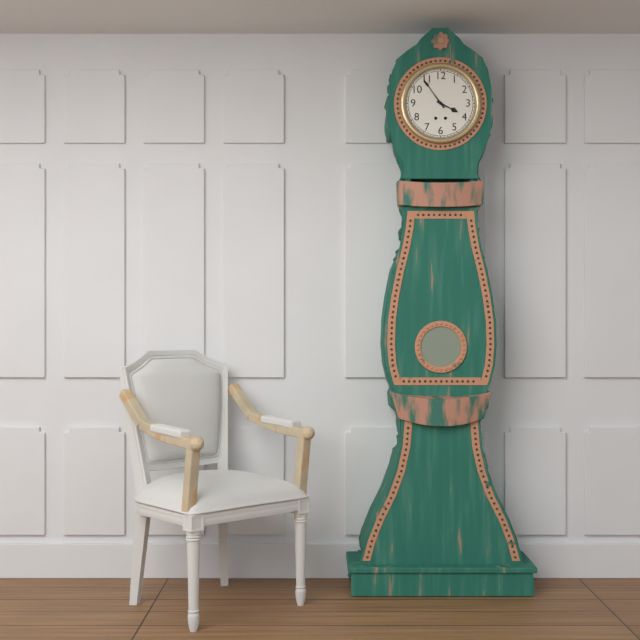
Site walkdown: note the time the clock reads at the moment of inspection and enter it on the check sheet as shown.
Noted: 3:54
